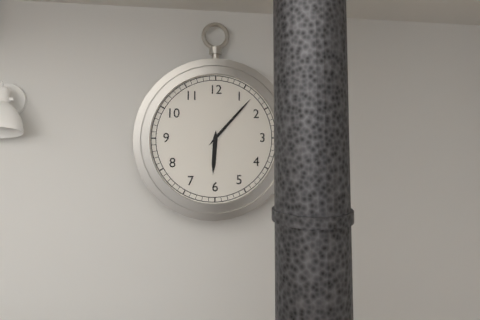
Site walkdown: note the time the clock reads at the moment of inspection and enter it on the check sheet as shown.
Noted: 6:07
